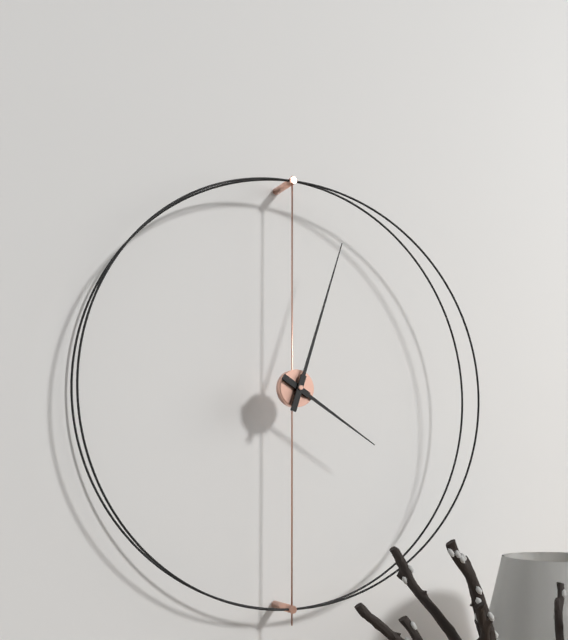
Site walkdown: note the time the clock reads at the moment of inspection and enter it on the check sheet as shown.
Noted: 4:03
